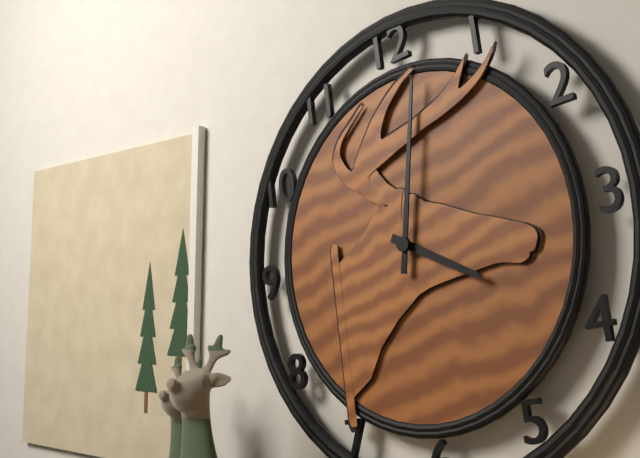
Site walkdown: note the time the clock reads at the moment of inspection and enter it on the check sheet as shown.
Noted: 4:02
